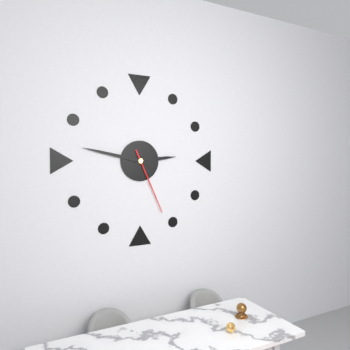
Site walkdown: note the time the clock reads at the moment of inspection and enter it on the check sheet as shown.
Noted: 2:47:26
